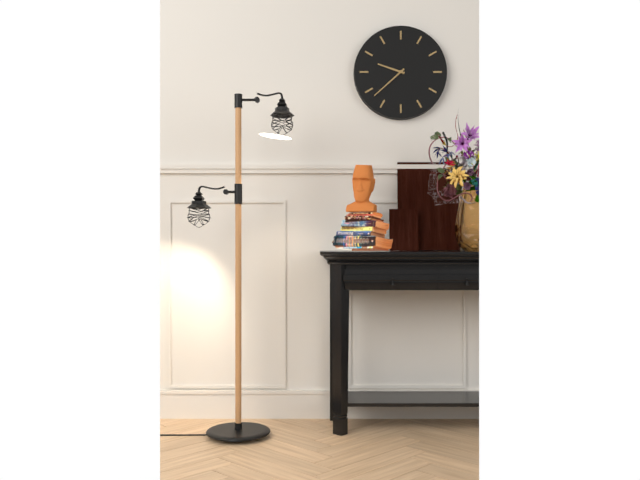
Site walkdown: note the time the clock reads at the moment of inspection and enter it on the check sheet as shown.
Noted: 9:38
